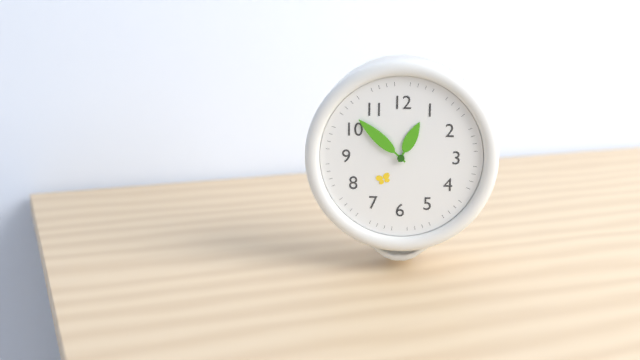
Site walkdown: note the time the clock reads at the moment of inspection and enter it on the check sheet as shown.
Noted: 12:52
